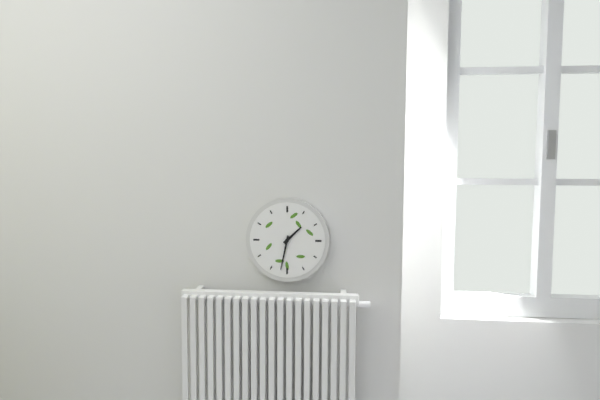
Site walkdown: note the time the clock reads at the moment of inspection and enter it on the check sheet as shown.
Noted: 1:32
